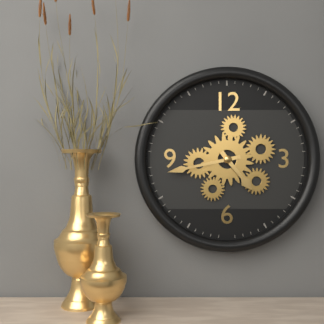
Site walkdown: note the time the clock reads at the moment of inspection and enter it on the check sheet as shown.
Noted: 4:43
